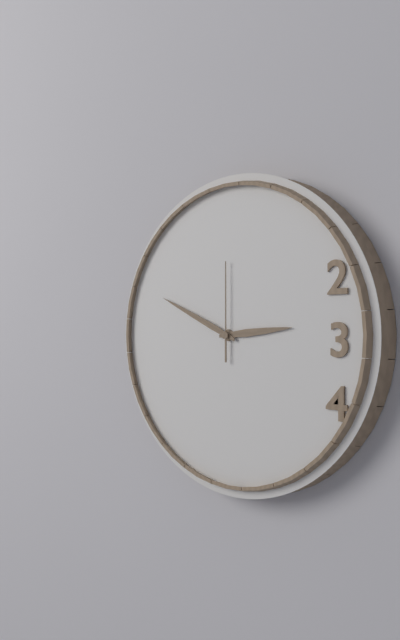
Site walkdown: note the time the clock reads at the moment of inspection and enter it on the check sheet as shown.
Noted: 2:49:00
